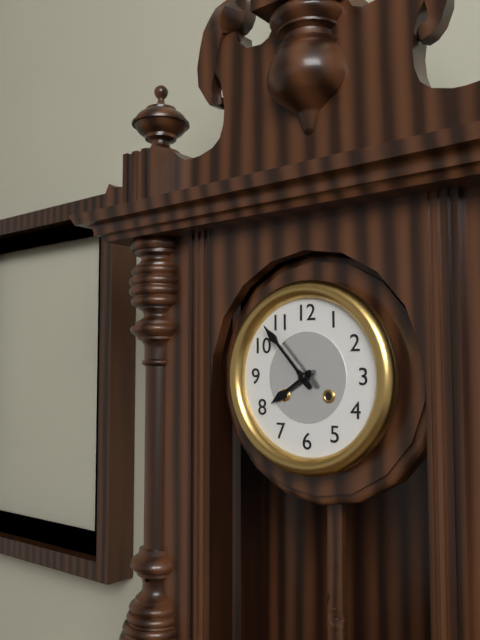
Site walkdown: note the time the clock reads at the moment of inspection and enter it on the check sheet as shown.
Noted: 7:53
